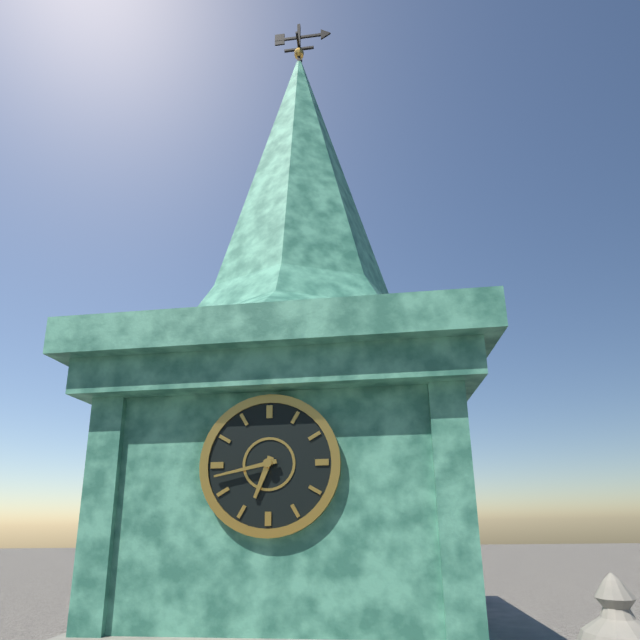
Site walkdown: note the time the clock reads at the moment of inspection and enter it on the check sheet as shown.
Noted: 6:43
